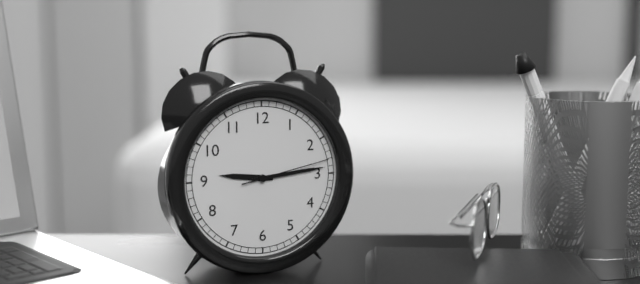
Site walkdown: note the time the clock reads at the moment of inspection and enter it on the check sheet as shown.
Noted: 9:14:13
